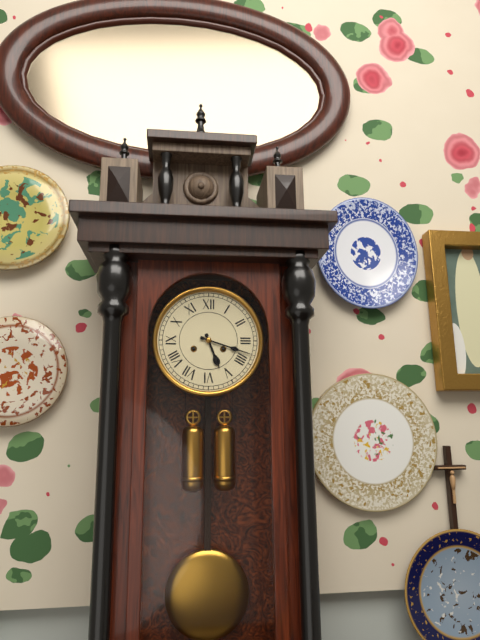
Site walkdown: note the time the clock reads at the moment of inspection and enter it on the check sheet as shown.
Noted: 5:18
